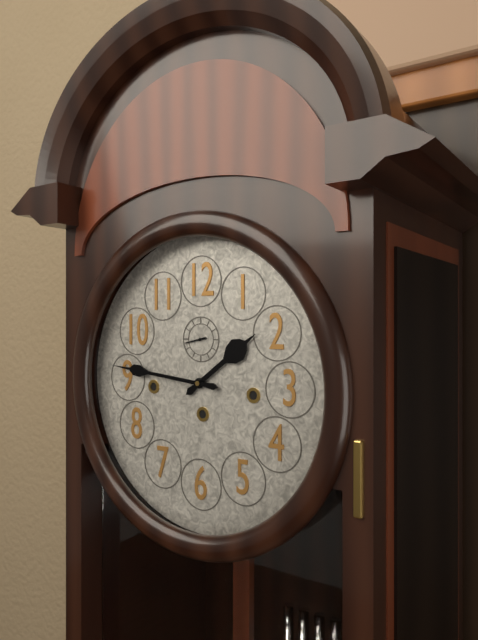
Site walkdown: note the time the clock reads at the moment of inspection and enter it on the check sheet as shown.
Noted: 1:46
